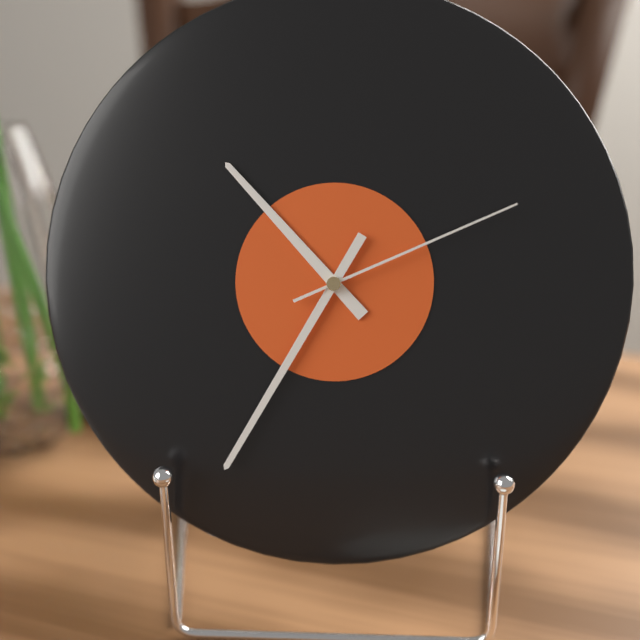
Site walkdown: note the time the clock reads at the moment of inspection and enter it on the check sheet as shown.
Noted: 10:35:11
